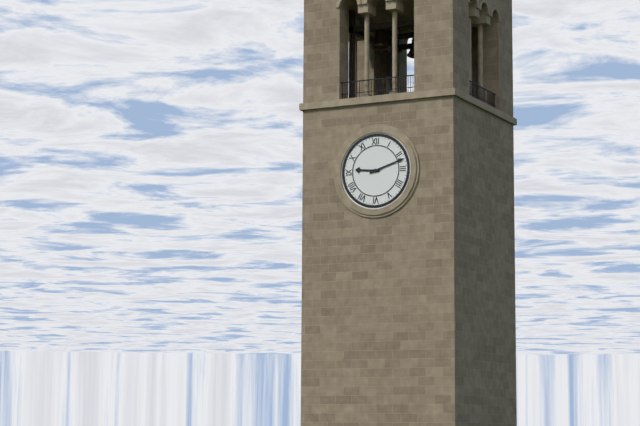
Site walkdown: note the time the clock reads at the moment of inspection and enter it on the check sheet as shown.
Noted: 9:12
